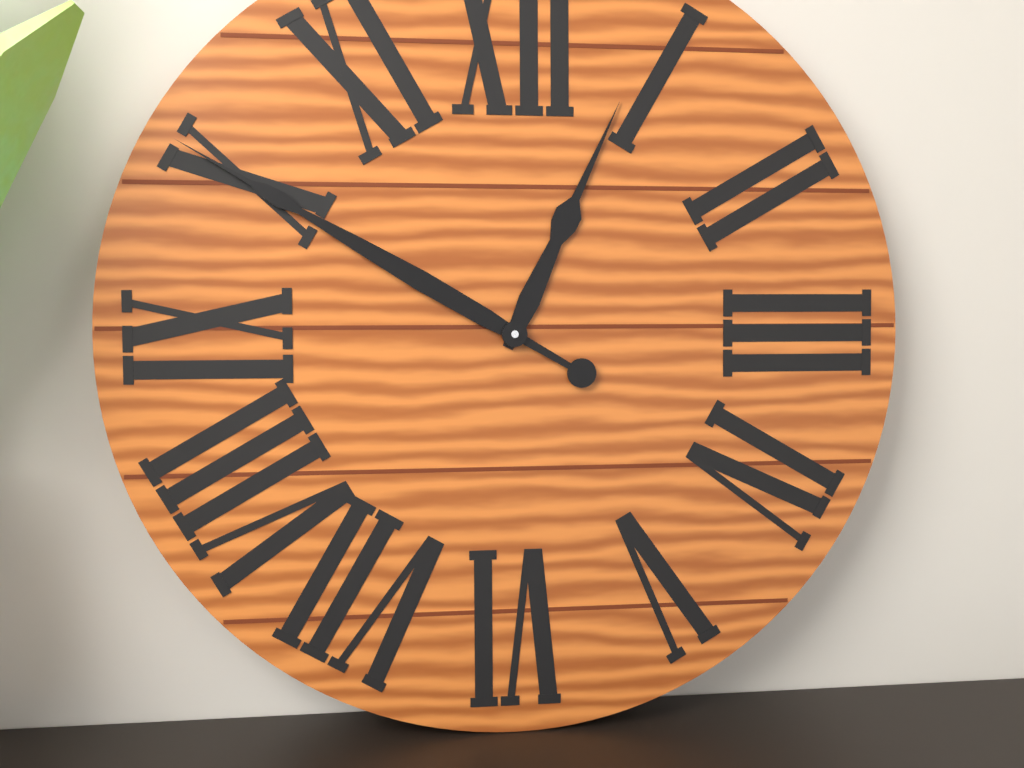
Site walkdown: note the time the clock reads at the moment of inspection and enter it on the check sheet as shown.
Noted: 12:50
